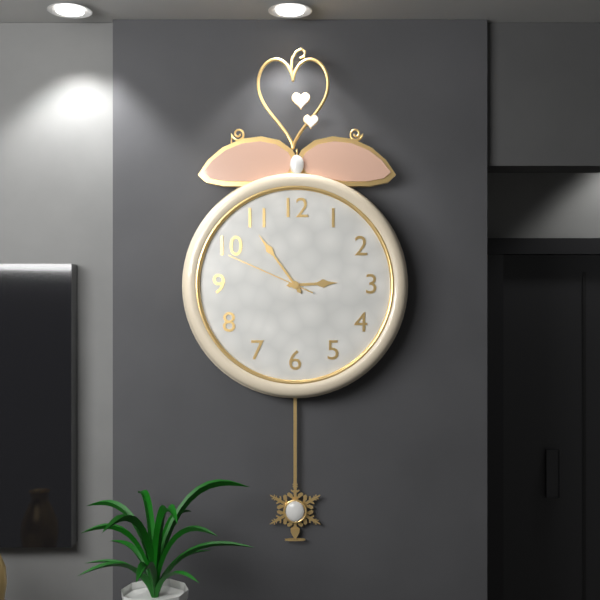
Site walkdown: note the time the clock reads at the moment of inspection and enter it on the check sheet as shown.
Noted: 2:54:49
